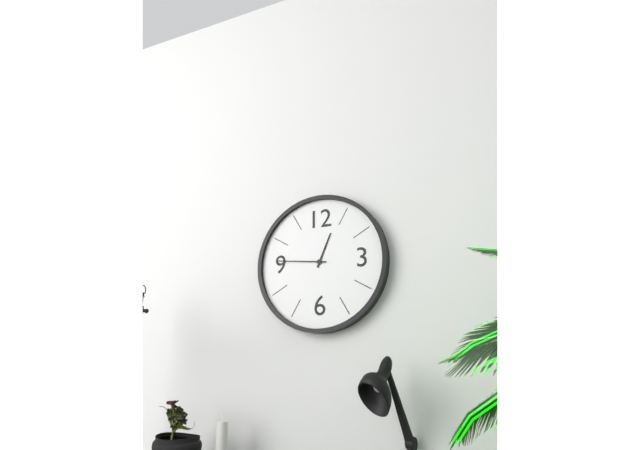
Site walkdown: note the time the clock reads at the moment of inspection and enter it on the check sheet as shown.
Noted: 12:46
